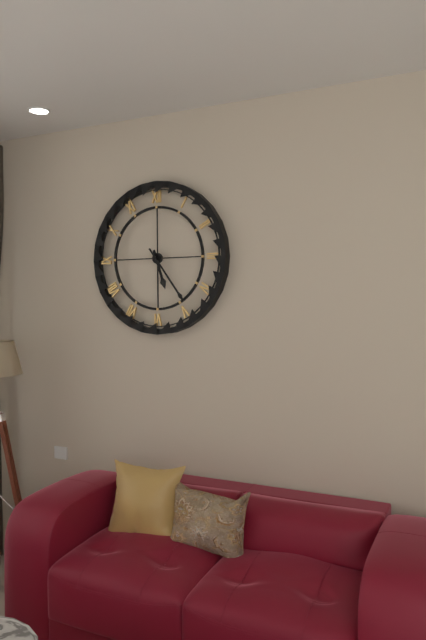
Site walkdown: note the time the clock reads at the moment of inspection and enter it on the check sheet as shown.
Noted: 5:24
